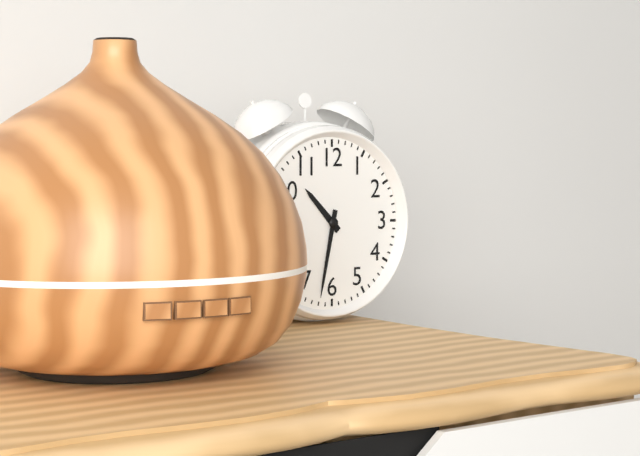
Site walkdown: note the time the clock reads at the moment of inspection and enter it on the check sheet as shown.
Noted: 10:32
